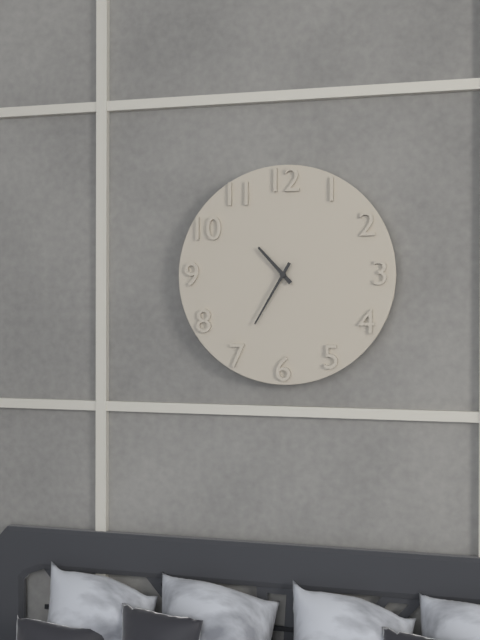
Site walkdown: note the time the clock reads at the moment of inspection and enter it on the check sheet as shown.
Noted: 10:35
